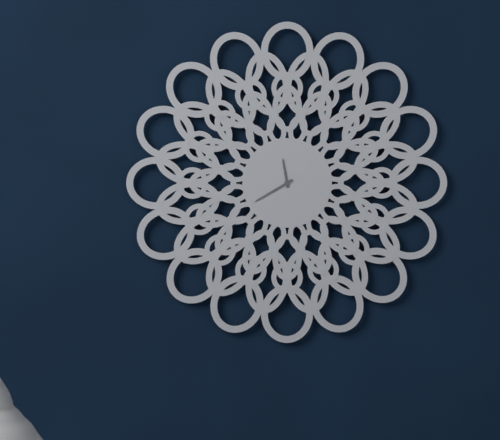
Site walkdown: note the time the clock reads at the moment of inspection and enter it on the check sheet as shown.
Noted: 11:40
